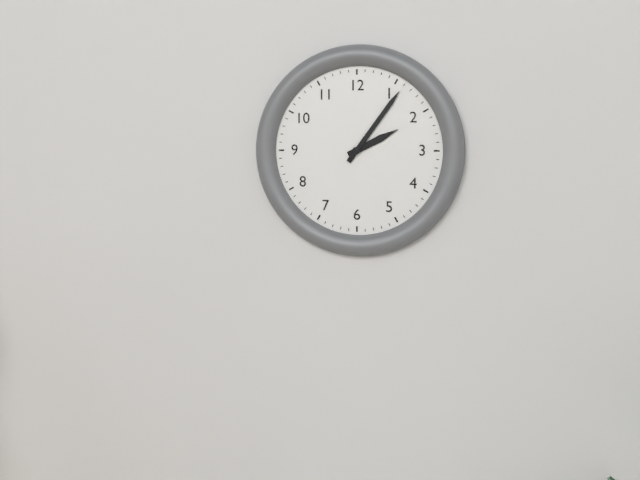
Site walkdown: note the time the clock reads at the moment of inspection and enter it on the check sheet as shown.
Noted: 2:06
